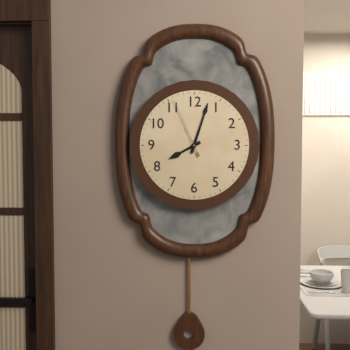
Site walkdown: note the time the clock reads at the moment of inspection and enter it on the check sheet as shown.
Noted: 8:03:56
